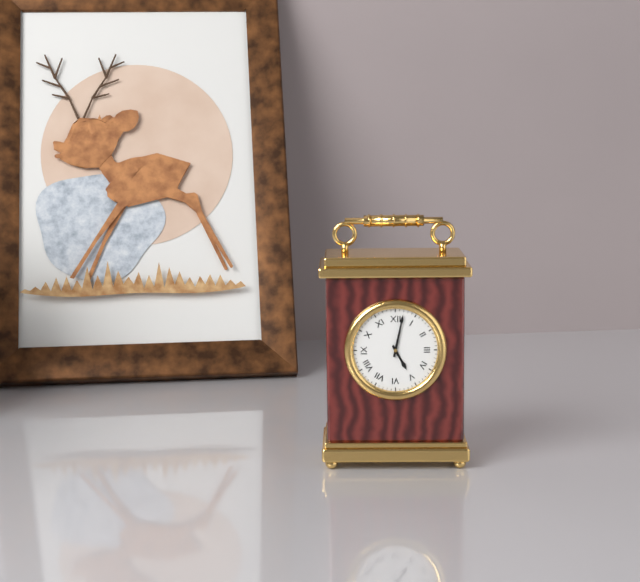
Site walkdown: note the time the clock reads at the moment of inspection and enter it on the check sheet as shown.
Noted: 5:02
